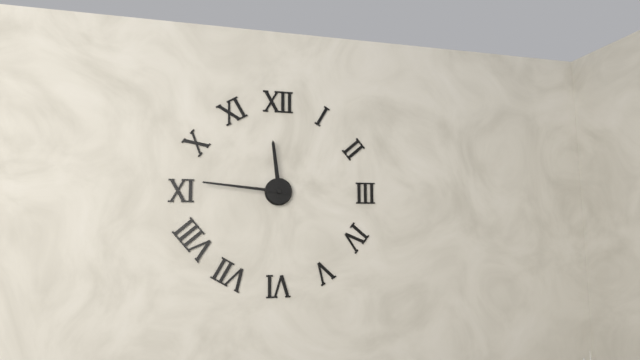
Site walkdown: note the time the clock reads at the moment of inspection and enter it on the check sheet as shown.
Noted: 11:46
